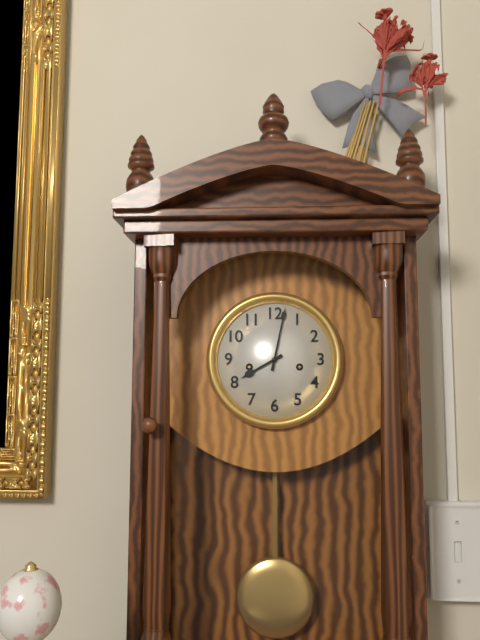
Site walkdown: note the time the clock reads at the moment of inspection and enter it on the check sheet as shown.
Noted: 8:02
